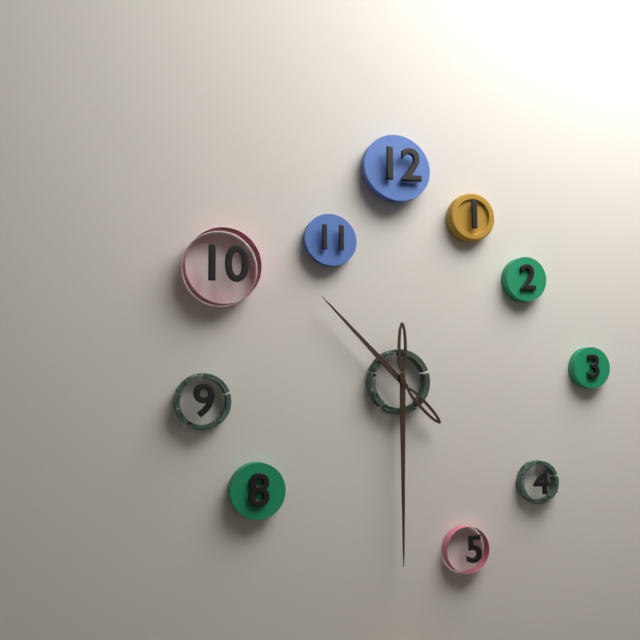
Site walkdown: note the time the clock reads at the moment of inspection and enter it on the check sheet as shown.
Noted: 10:30
